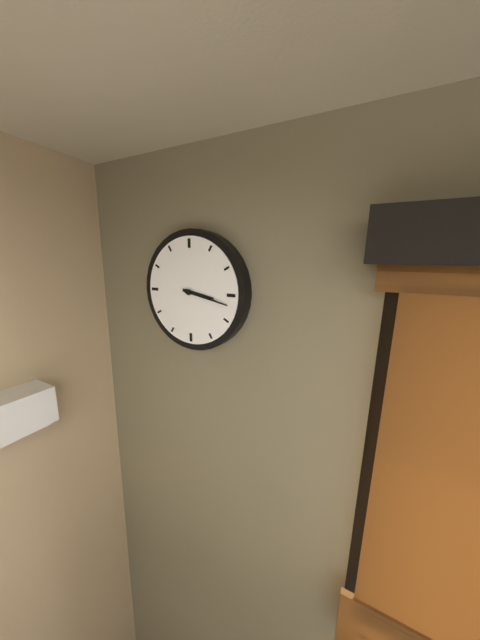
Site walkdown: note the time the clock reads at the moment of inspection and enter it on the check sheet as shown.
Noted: 3:17
